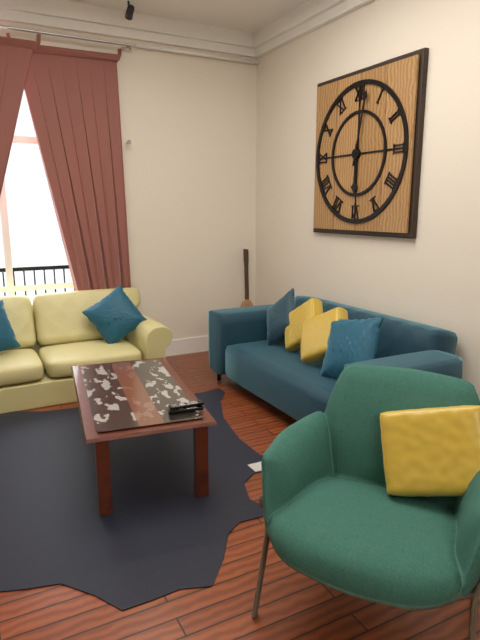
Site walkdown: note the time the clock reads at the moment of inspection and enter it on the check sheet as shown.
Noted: 6:02
